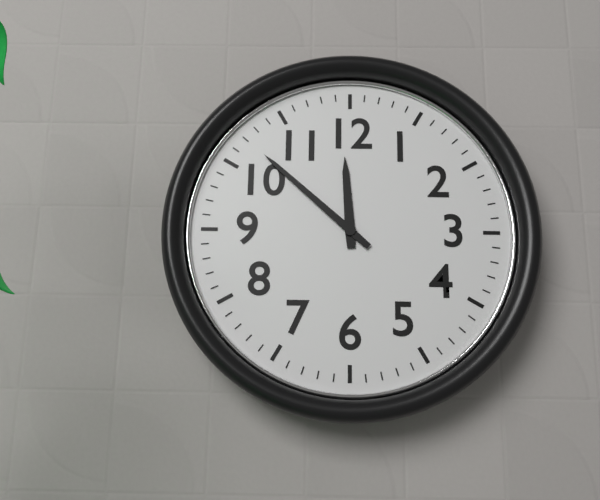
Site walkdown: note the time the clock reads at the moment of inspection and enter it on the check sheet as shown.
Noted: 11:52
